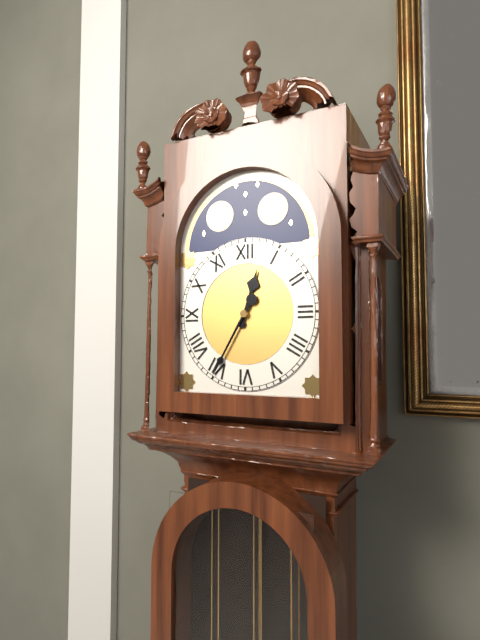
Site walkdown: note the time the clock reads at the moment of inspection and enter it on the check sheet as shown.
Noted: 12:35
